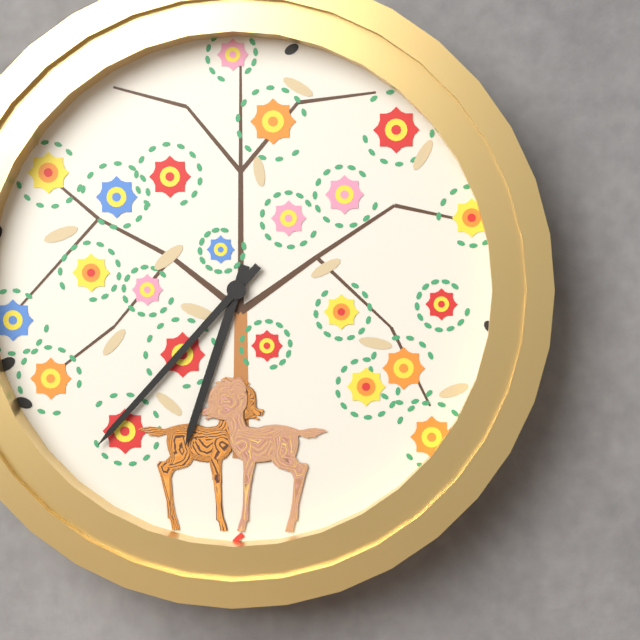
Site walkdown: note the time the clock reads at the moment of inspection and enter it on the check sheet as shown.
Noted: 6:37
